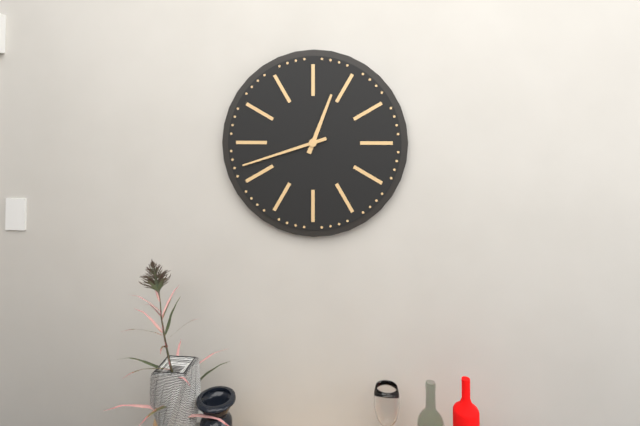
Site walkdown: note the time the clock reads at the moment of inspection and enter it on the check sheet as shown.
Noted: 12:42
